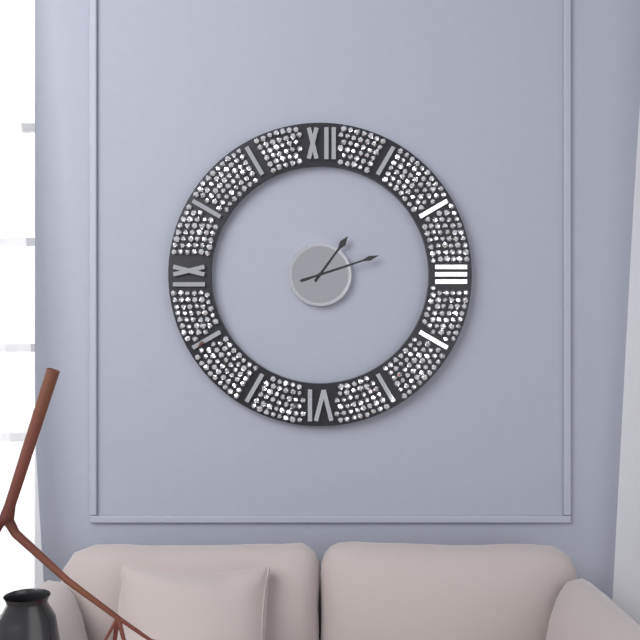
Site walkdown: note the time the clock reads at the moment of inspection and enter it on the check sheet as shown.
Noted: 1:12
